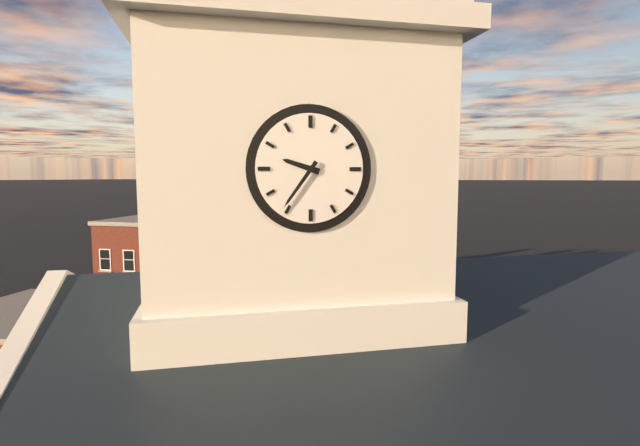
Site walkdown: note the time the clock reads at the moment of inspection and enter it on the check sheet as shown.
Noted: 9:36
